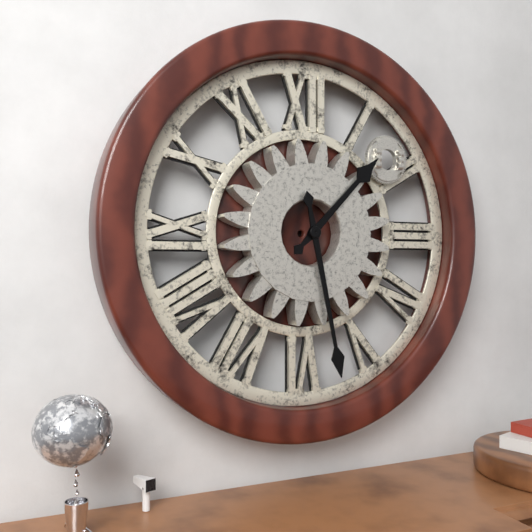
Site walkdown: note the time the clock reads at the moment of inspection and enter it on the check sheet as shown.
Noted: 1:28
